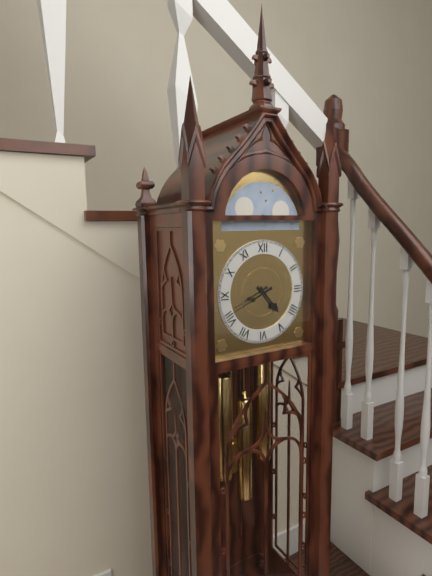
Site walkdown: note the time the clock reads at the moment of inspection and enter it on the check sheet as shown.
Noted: 4:41
